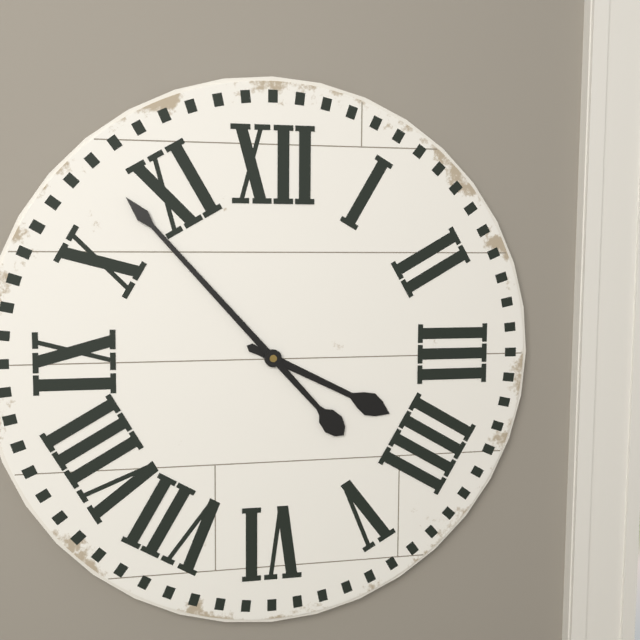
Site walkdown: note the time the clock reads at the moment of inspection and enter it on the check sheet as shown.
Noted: 3:53
